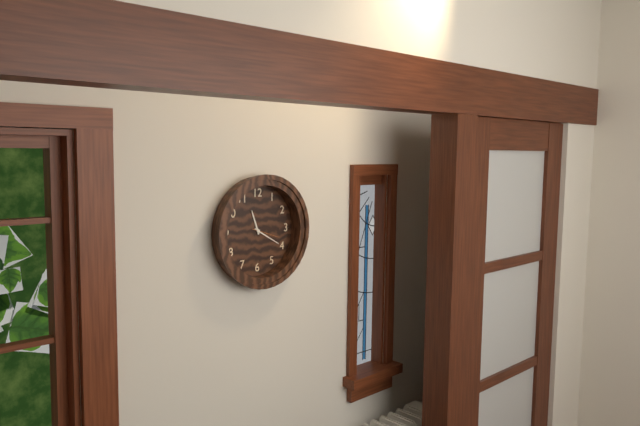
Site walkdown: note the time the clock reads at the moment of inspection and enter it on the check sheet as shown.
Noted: 11:20
